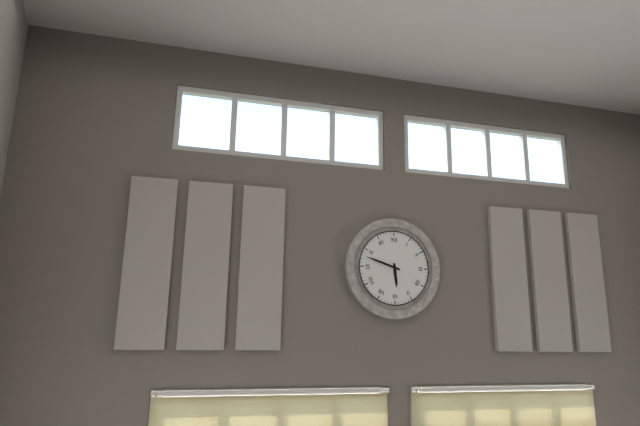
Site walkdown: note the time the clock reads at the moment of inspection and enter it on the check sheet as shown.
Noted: 5:48
